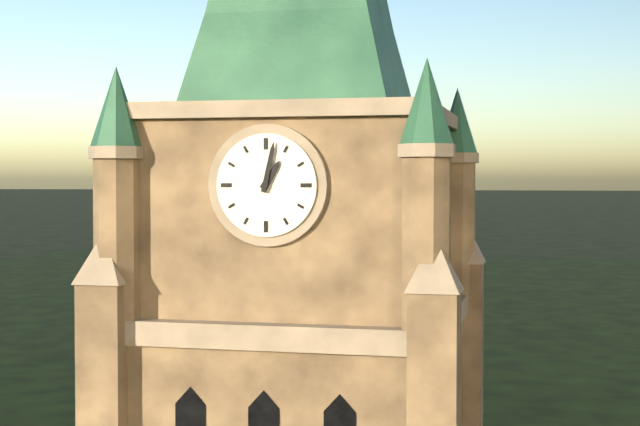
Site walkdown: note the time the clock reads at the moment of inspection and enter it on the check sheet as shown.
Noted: 1:02
